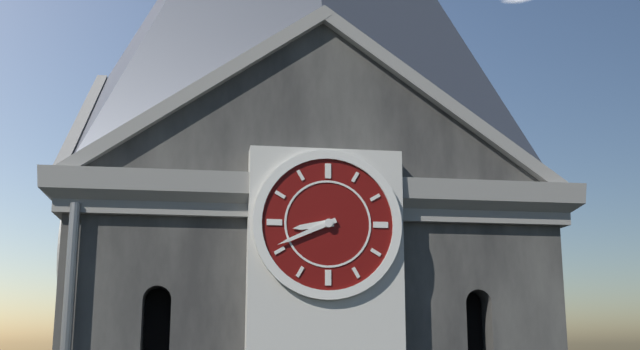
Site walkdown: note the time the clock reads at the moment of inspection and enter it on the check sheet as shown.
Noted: 8:41
